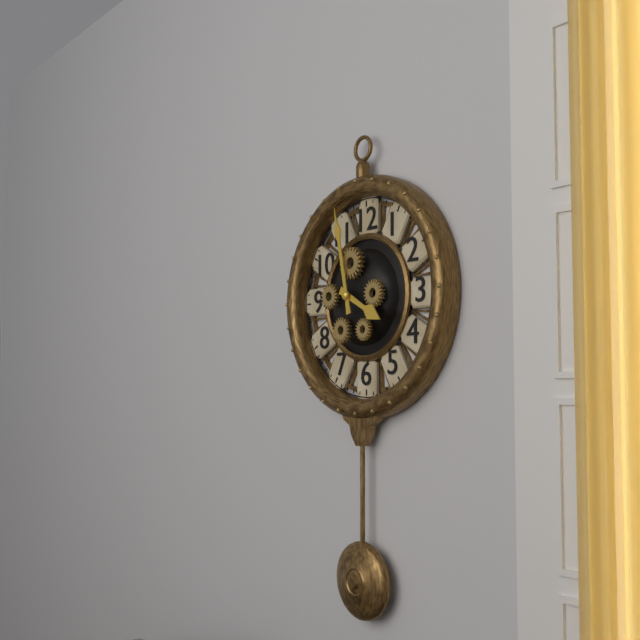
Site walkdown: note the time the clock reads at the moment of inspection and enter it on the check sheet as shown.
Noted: 3:58
